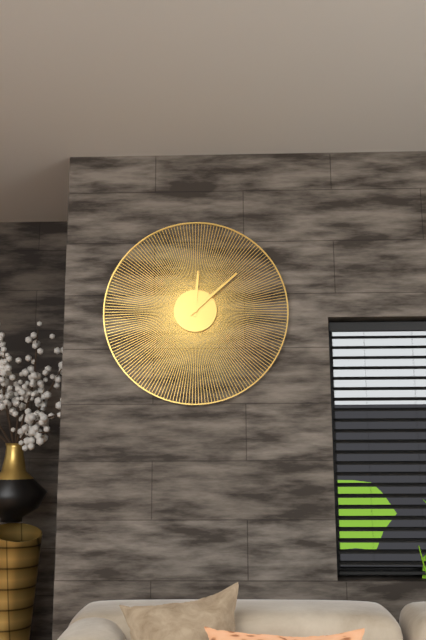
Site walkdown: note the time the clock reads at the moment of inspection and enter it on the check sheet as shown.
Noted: 12:08
